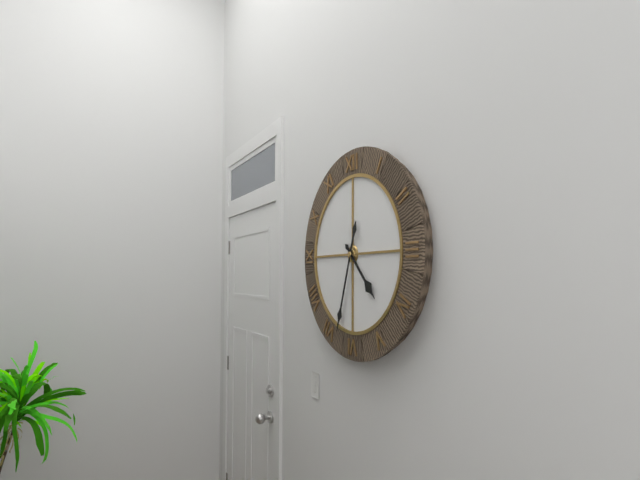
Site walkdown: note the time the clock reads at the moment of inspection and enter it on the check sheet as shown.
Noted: 4:33
